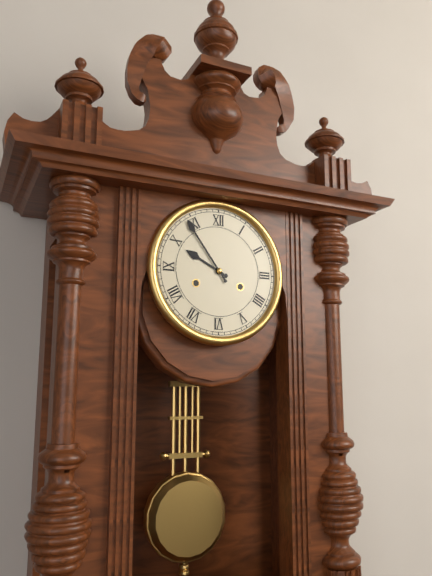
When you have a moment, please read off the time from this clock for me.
9:54
